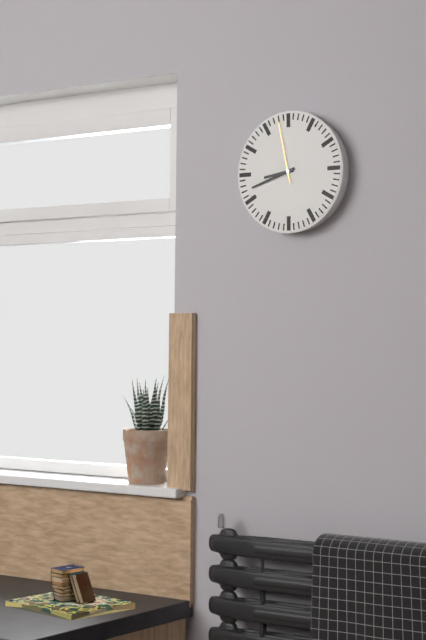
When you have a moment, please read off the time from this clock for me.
8:42:58
